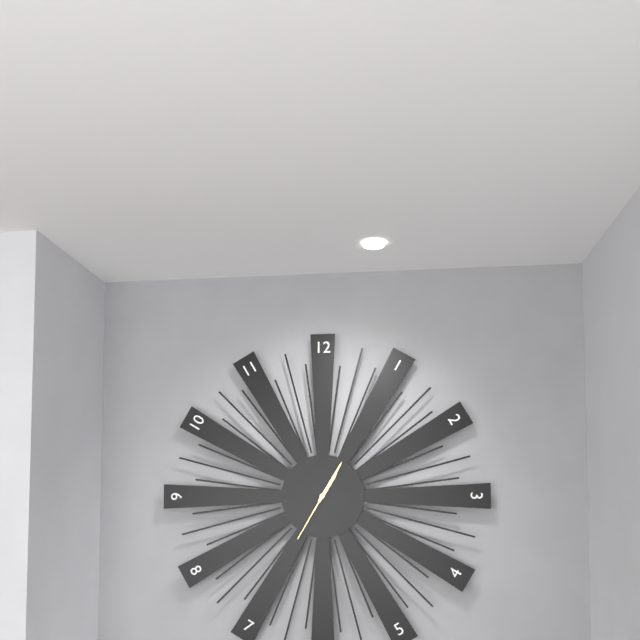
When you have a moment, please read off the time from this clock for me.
1:05:35
